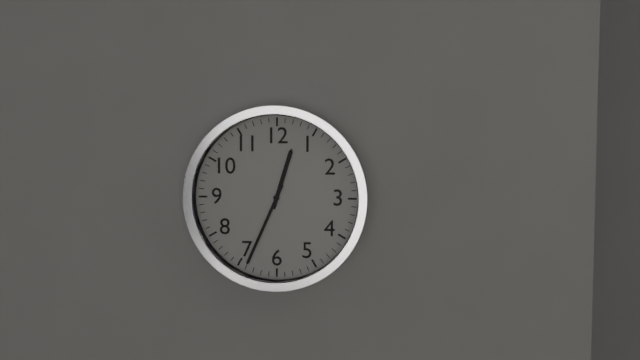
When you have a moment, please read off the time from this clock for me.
12:34
